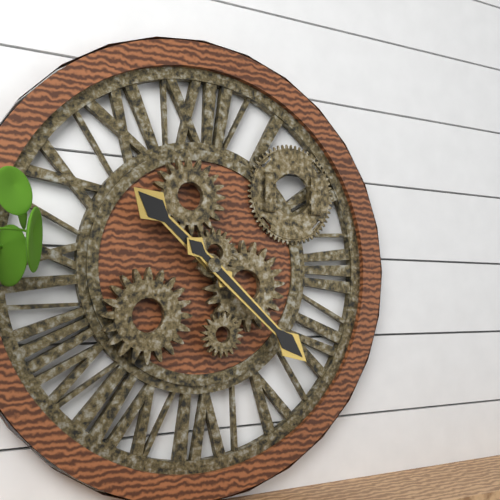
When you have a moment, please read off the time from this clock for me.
10:22
